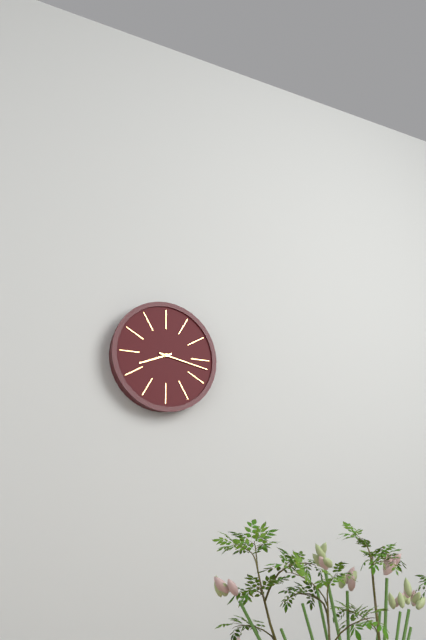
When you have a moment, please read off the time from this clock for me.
8:17
